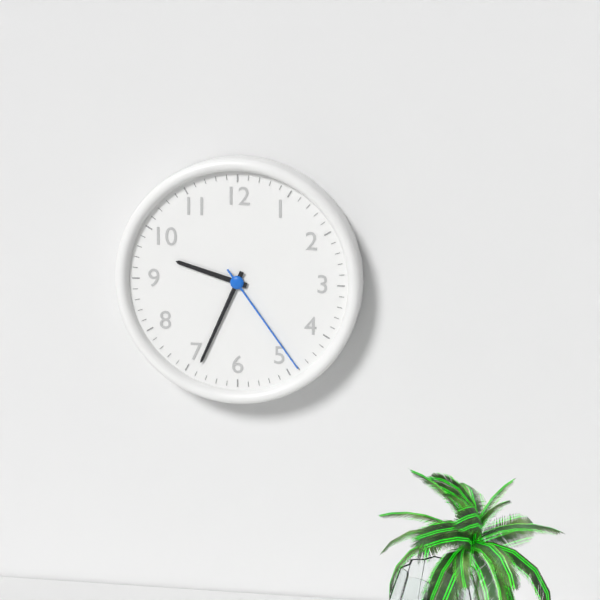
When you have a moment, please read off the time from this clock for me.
9:34:24
